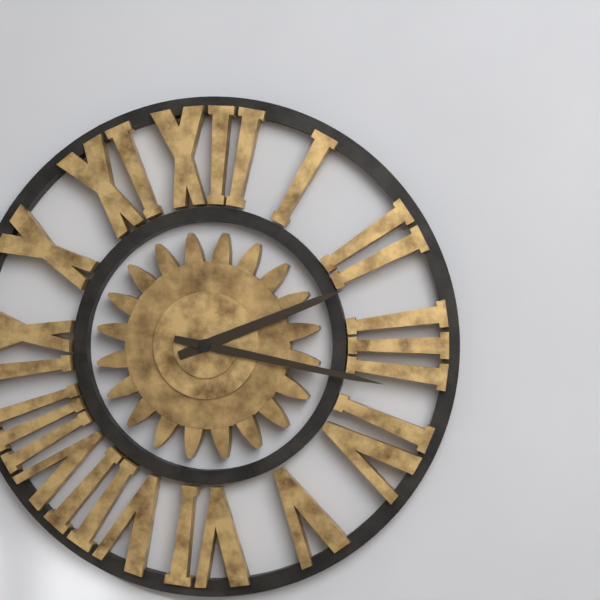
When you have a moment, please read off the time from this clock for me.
2:17
